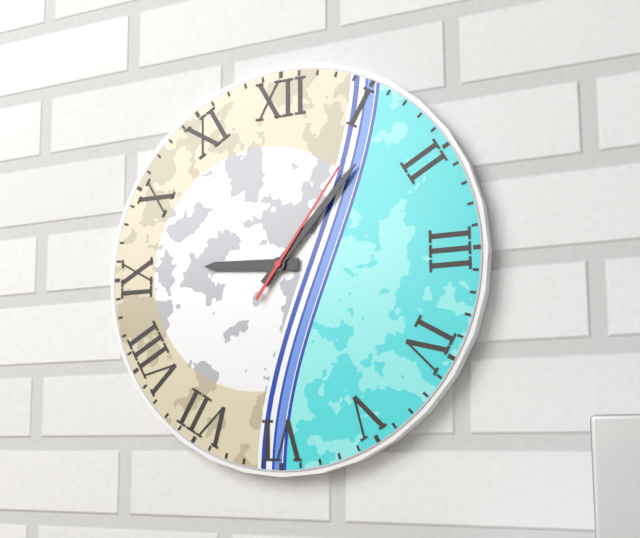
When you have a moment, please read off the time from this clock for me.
9:07:06
